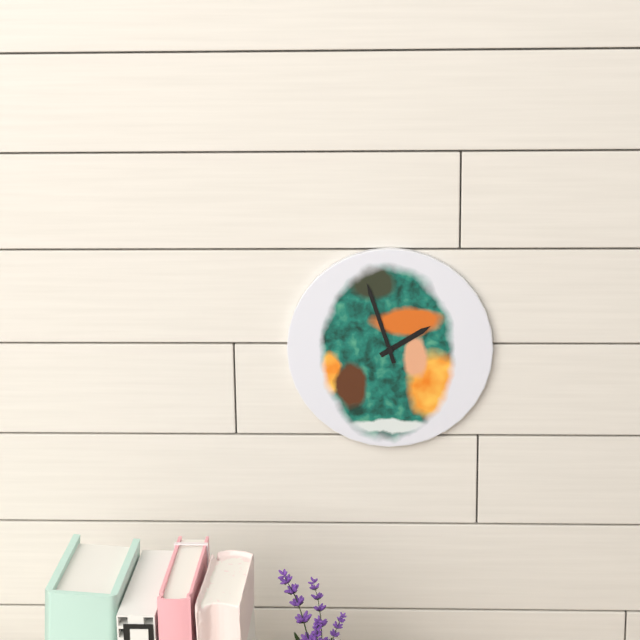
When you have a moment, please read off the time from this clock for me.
1:57
